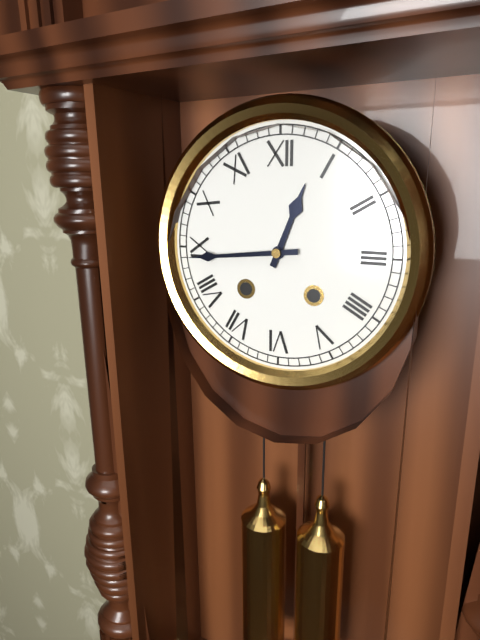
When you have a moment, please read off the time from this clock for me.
12:44
